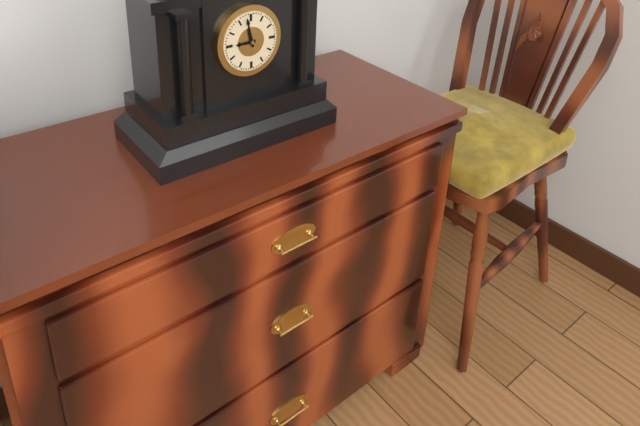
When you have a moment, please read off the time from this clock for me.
8:58
